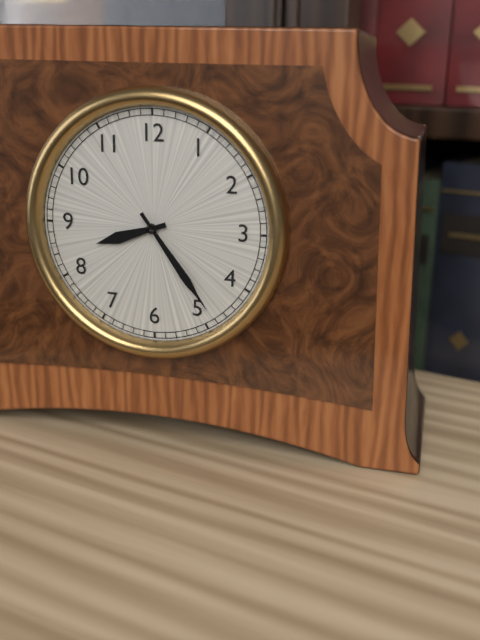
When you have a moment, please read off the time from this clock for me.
8:24
